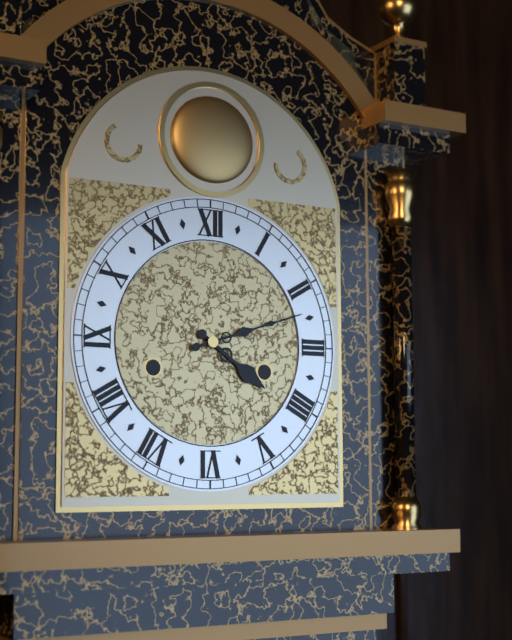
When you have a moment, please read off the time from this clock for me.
4:12
